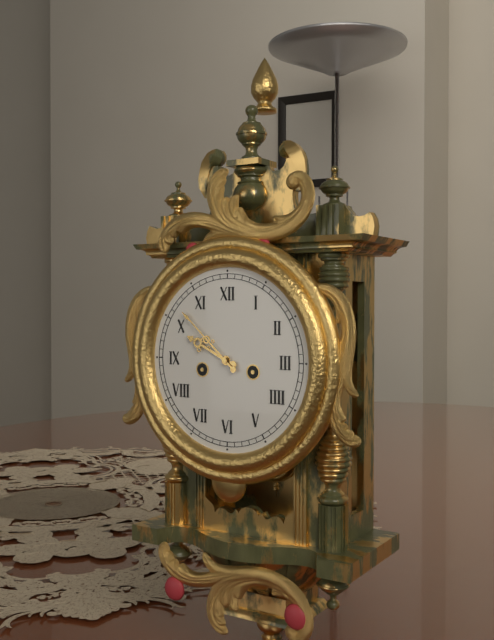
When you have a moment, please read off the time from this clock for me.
9:52
